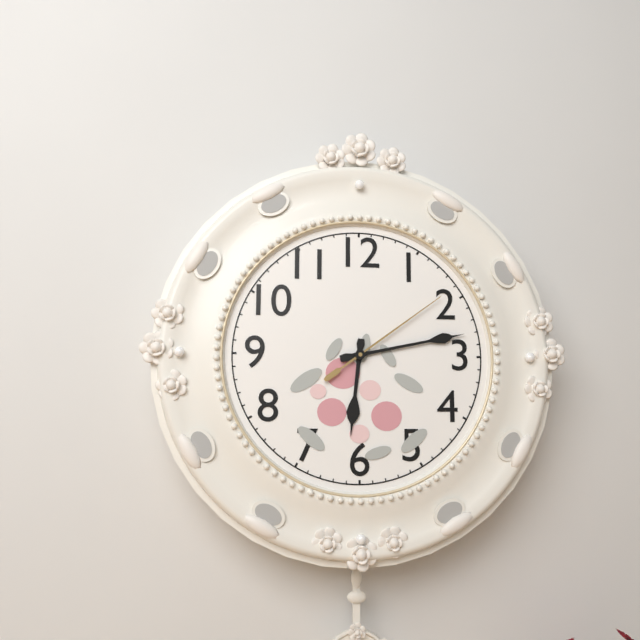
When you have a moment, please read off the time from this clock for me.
6:13:09
